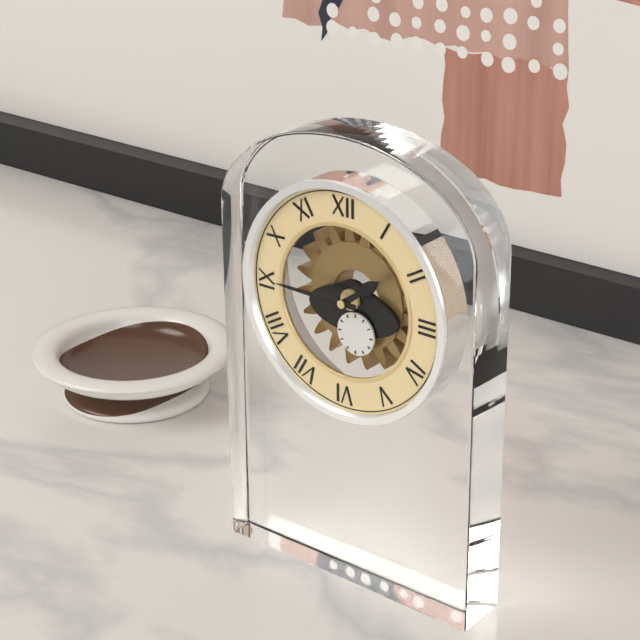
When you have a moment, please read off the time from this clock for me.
1:45
